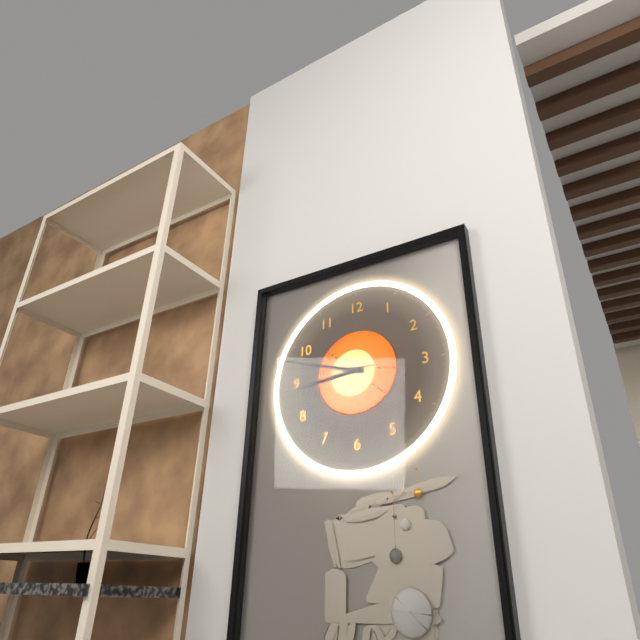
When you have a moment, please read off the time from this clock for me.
8:48:44
